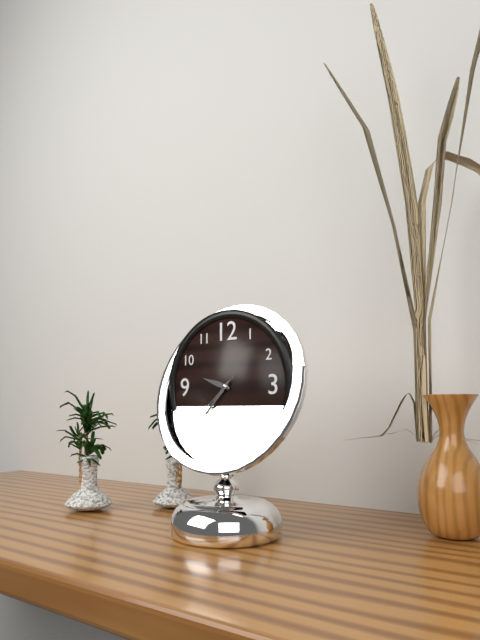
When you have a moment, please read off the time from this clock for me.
9:37:38
